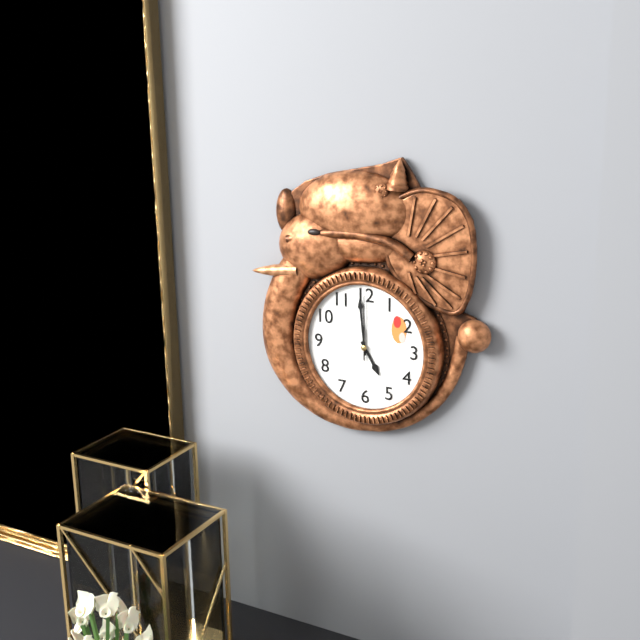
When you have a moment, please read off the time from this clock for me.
4:59:00
